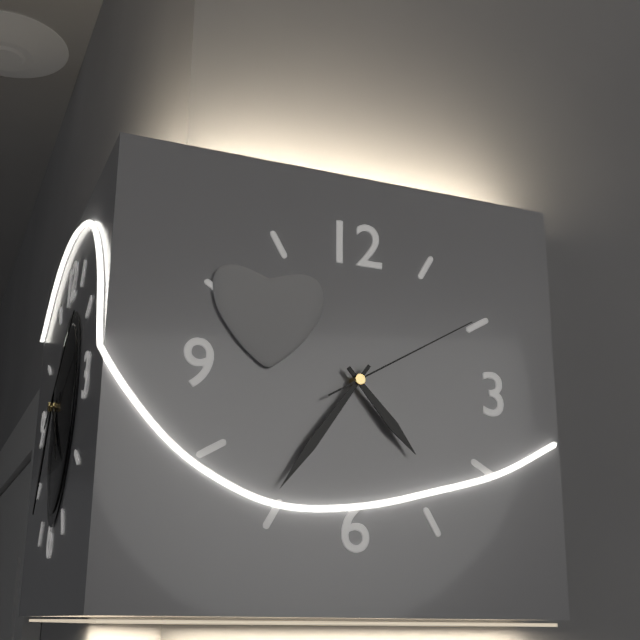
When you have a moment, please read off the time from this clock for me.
4:36:10
